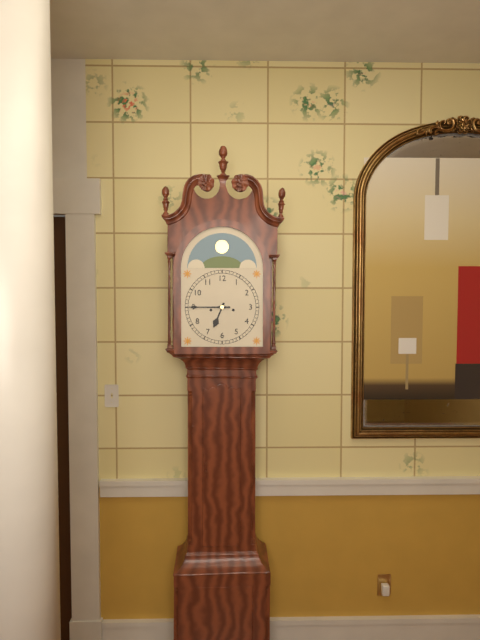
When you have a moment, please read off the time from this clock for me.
6:45
